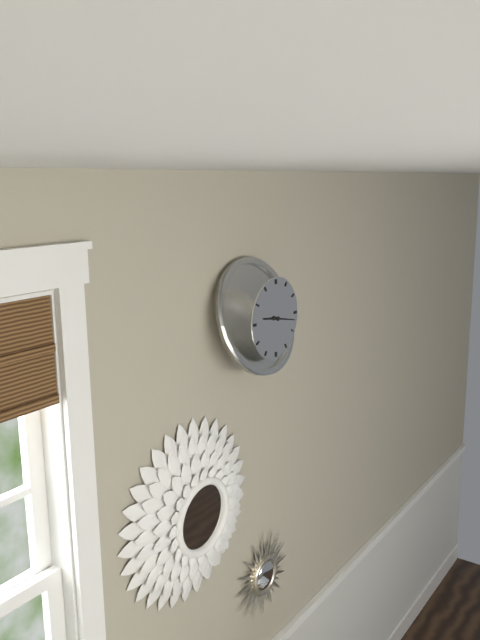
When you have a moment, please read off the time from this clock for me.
9:17
